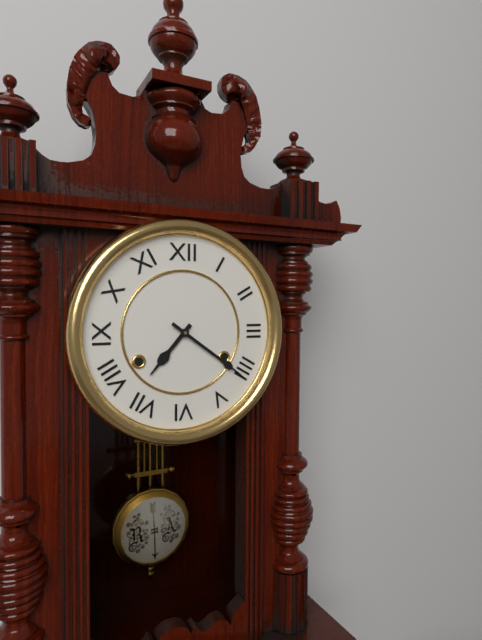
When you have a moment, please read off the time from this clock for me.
7:21
